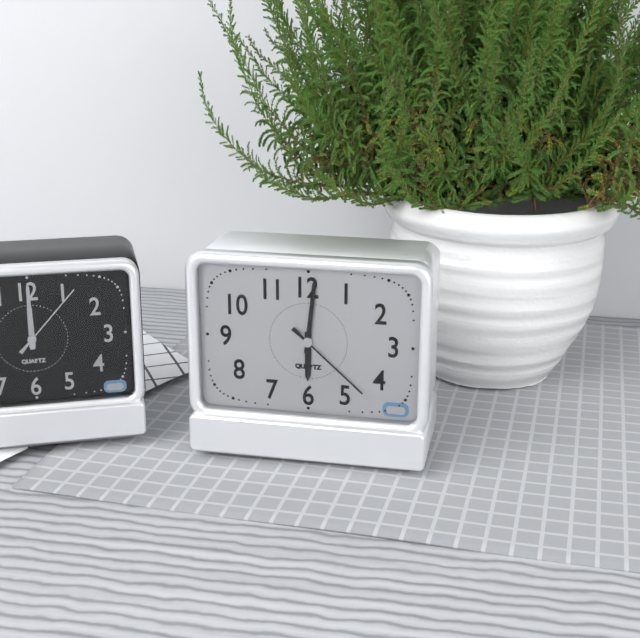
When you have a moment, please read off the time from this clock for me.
6:01:22
